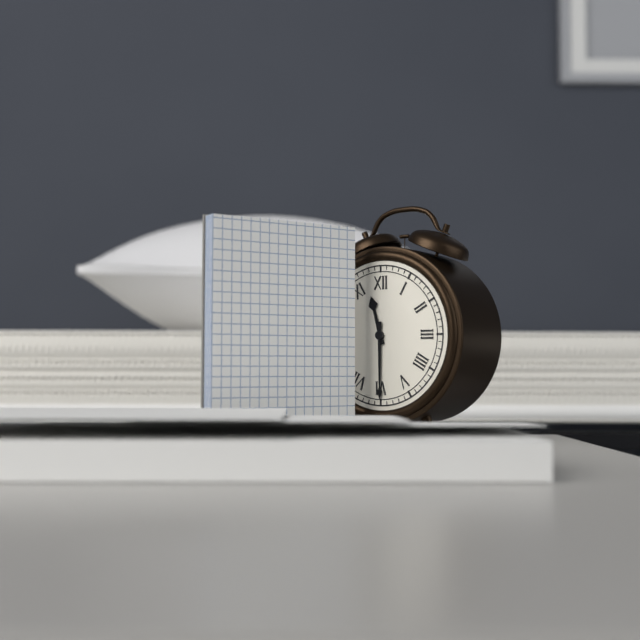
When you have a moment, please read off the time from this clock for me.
11:30
